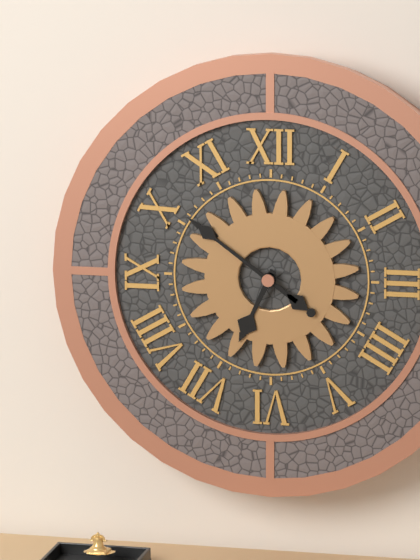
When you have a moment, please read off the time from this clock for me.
6:51
